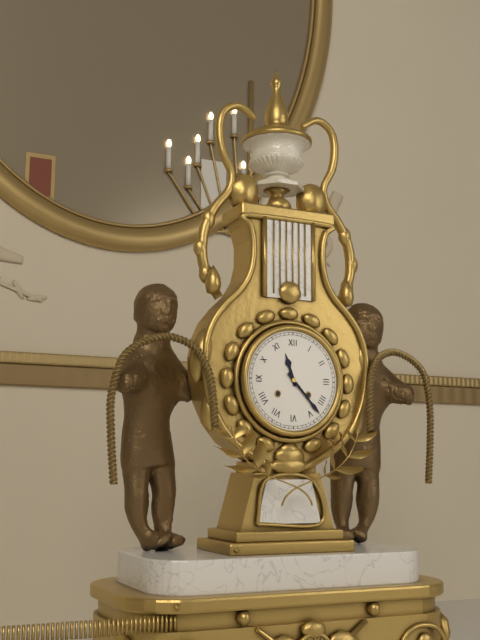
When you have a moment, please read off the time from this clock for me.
11:23
